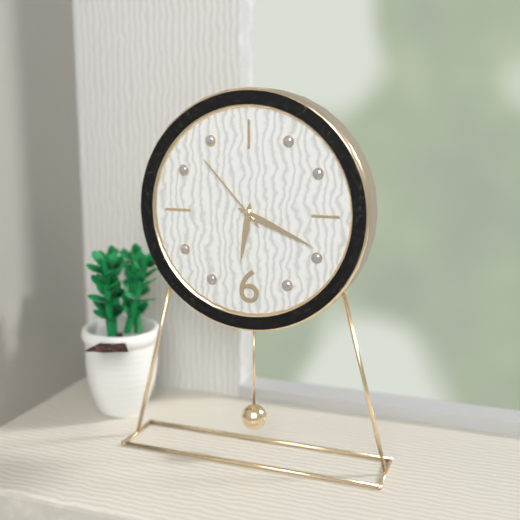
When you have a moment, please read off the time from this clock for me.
6:19:53
